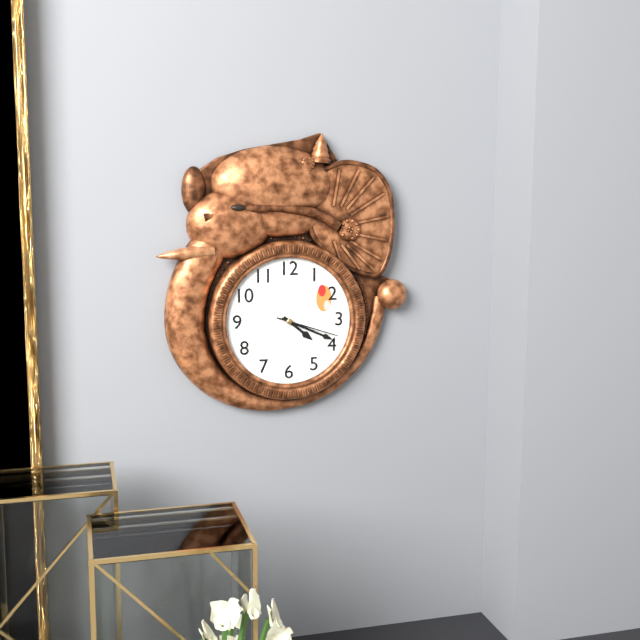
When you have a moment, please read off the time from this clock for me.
4:19:18
